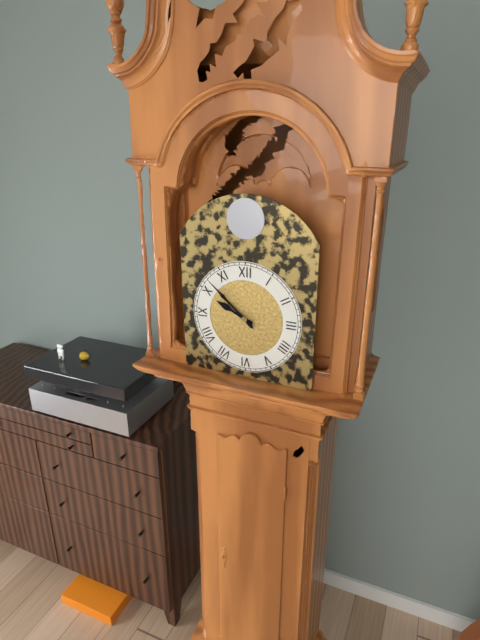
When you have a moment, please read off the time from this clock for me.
9:52
